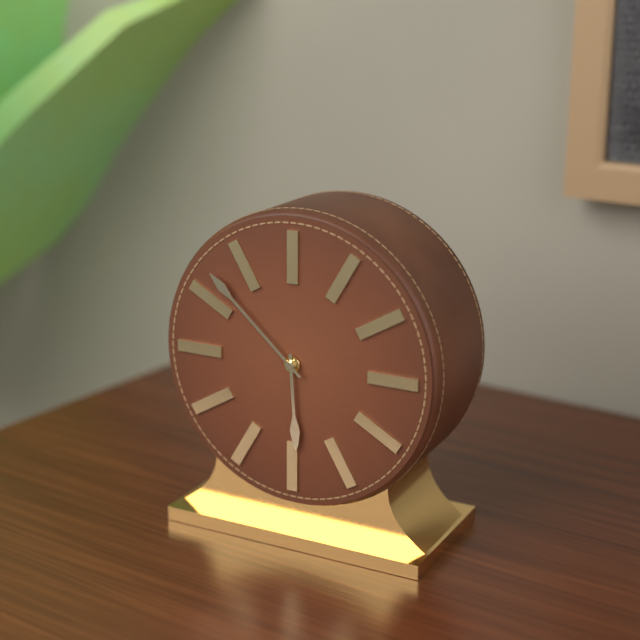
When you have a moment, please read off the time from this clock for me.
5:52
